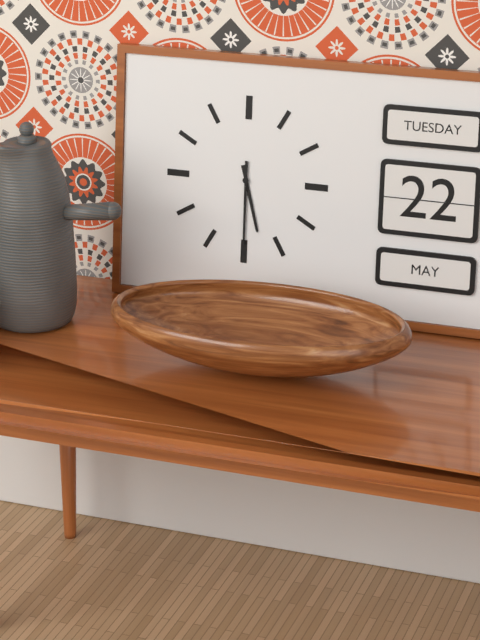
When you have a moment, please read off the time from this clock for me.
5:30
